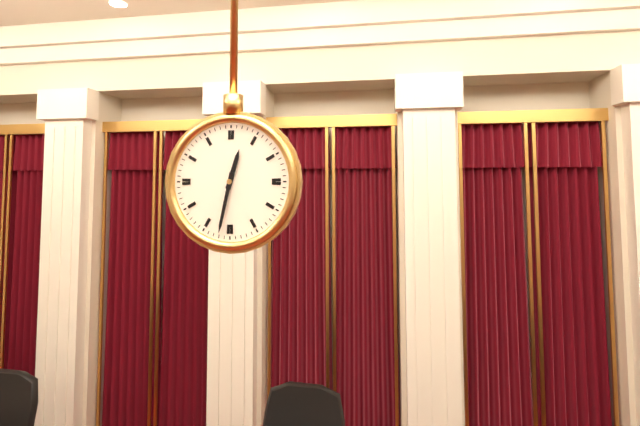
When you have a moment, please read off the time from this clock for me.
12:32
